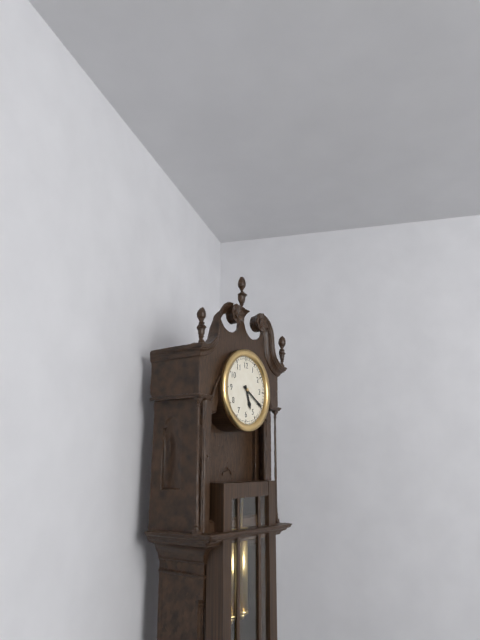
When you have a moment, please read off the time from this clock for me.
5:20
